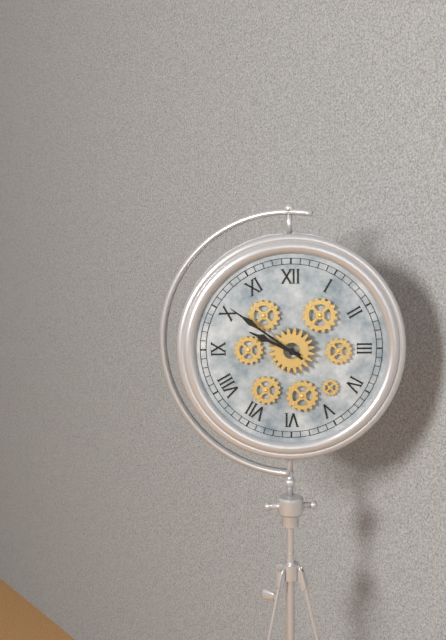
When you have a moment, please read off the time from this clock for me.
9:51
